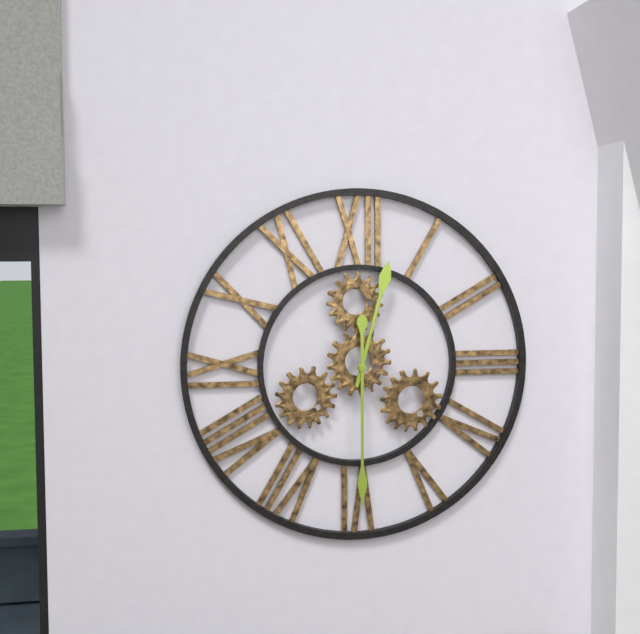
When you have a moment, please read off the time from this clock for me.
12:30
